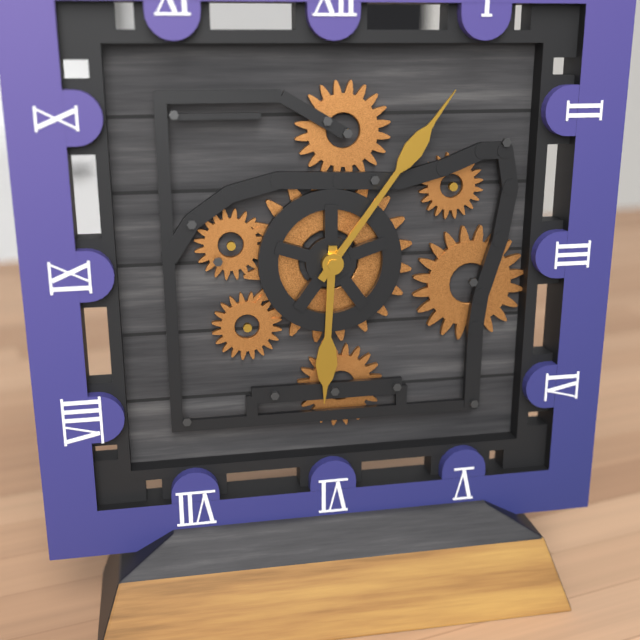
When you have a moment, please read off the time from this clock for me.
6:06
